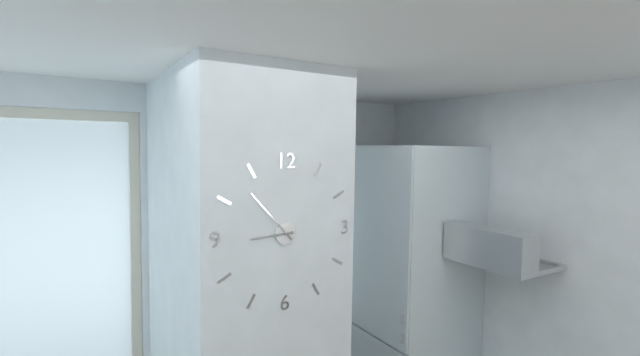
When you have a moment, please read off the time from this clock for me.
8:53
